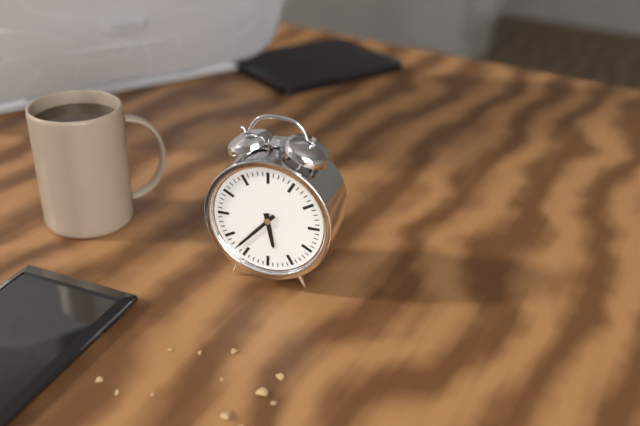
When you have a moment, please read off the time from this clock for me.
5:37
